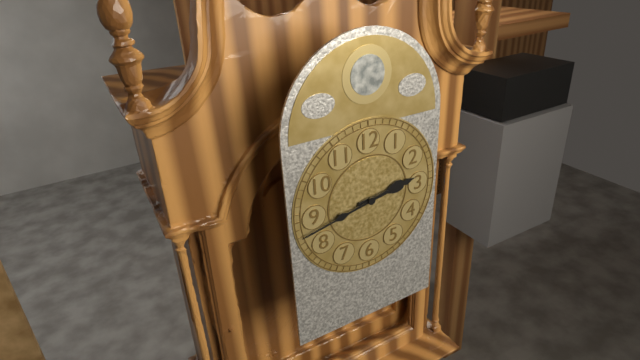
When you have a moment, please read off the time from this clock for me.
2:43
